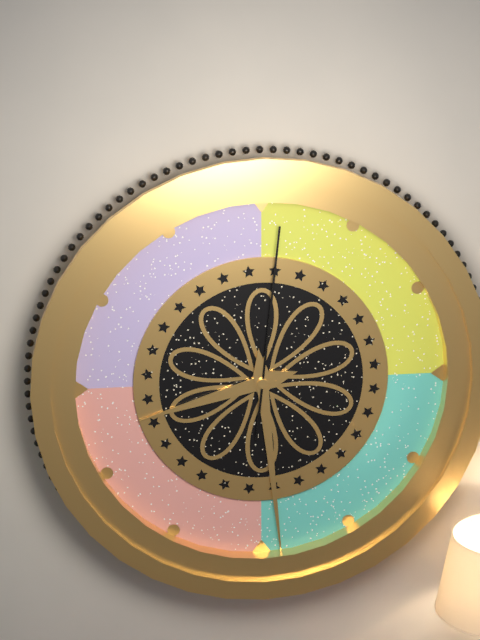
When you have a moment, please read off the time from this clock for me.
8:29:01
